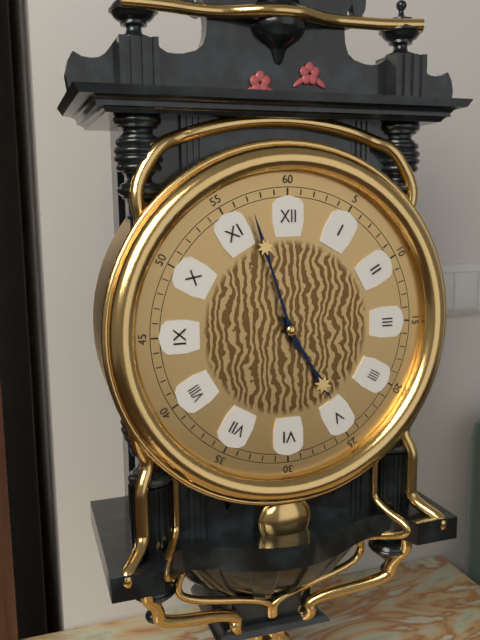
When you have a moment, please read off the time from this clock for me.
4:57
